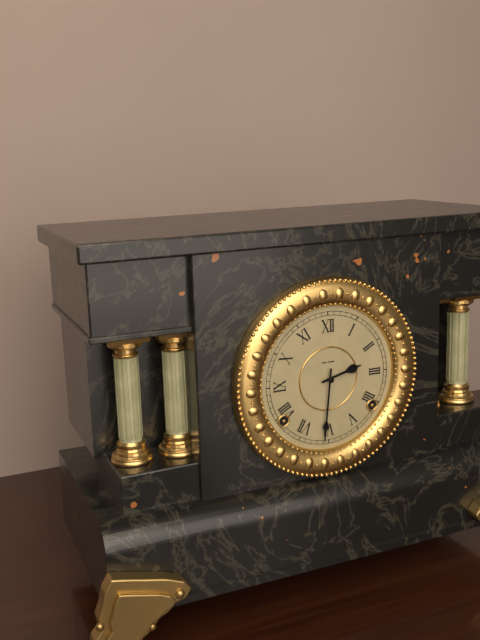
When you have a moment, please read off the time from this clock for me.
2:31
